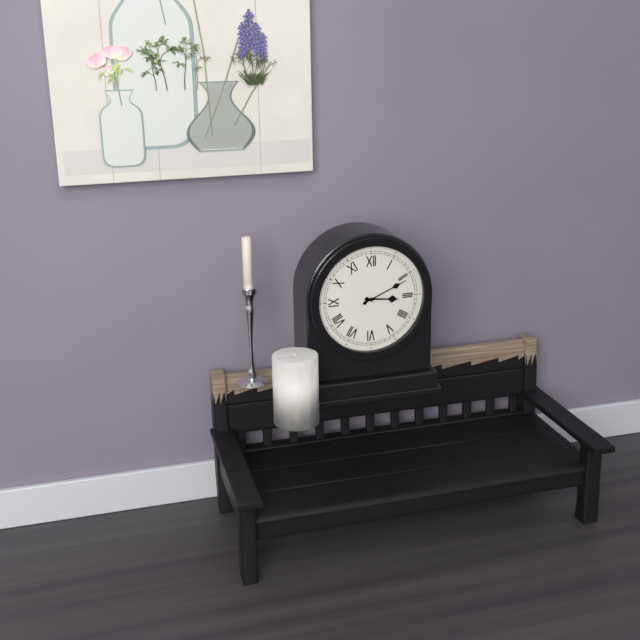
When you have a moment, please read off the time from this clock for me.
3:11
